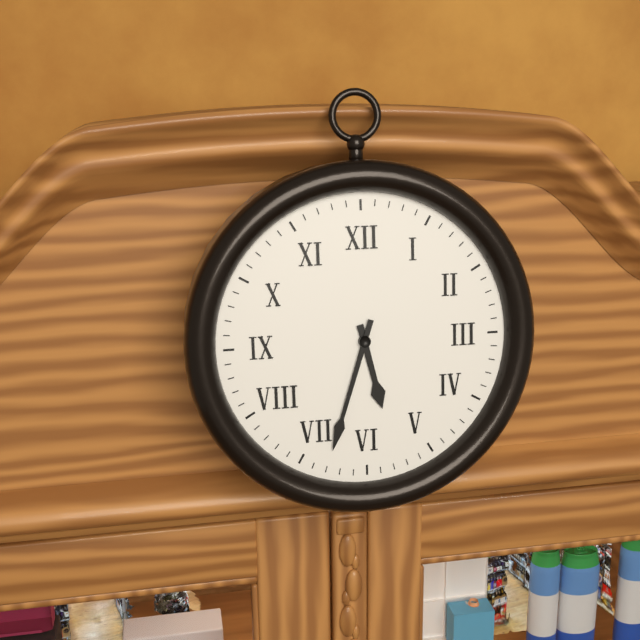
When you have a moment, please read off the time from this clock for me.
5:33
